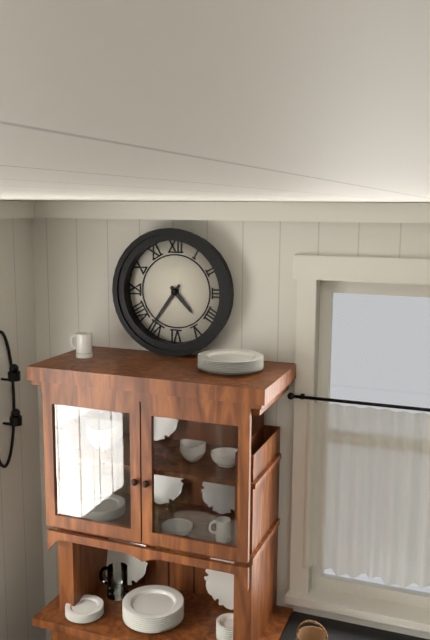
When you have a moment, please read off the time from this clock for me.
4:36
